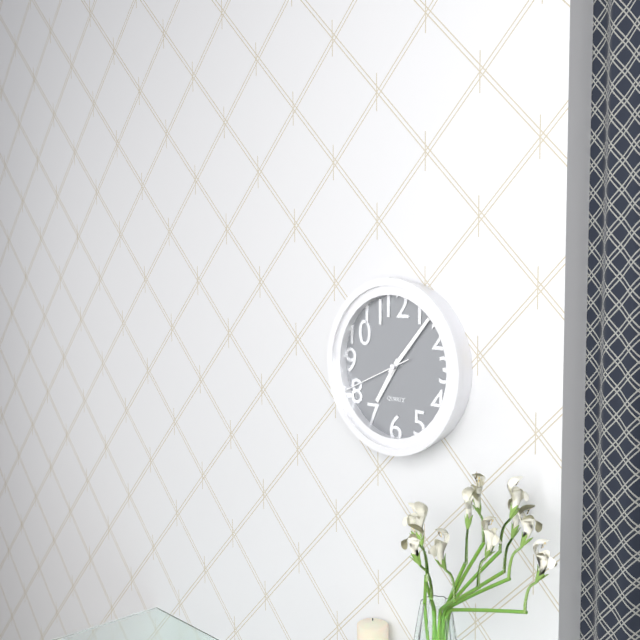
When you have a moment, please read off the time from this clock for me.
7:07:41
